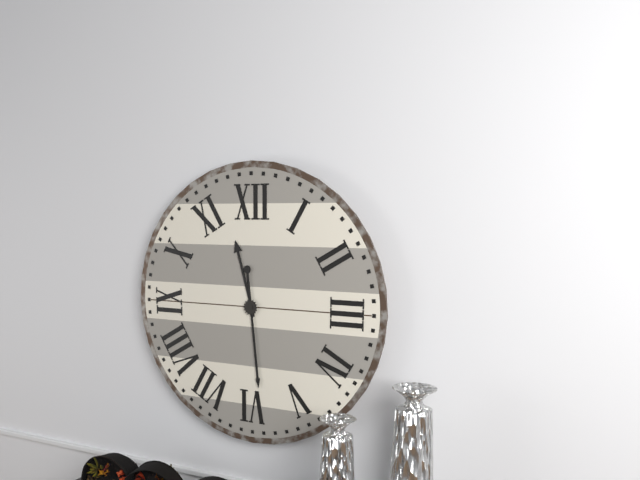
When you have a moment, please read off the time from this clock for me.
11:29
